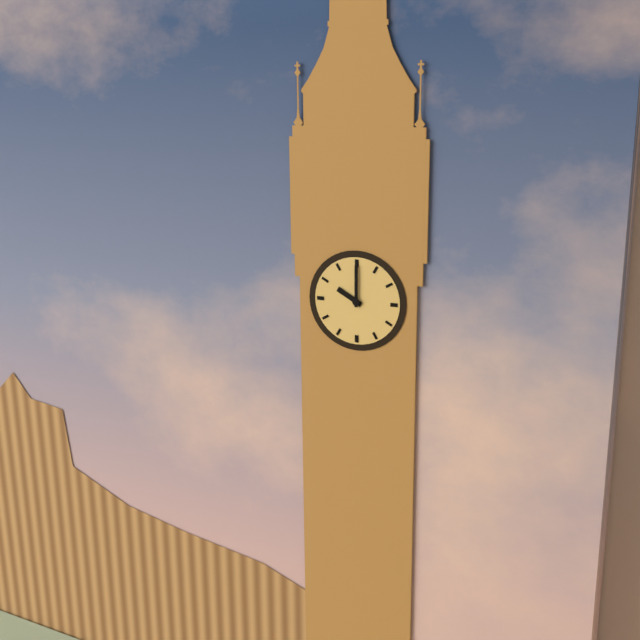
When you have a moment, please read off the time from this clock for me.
10:00
